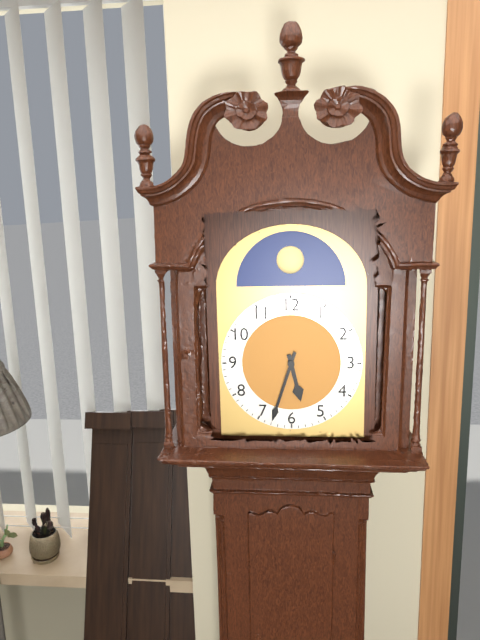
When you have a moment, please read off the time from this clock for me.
5:33
